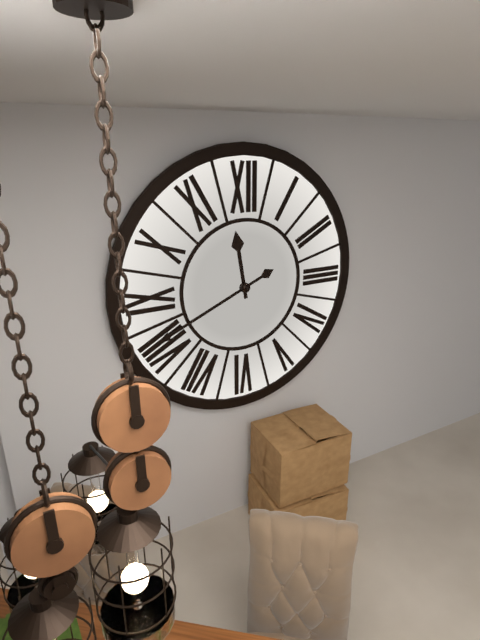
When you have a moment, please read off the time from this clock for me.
11:41
